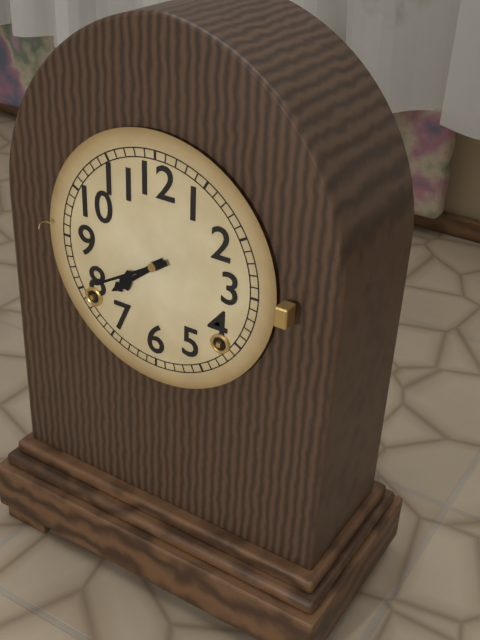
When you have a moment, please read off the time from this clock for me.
7:40
